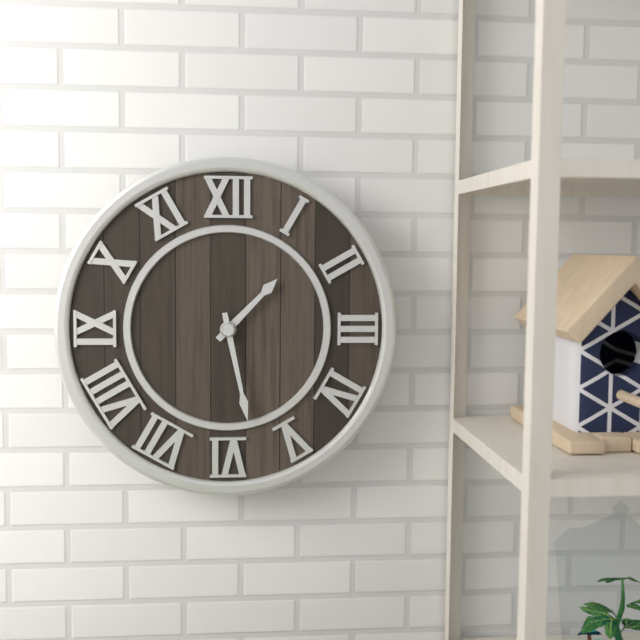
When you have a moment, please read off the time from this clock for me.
1:28
